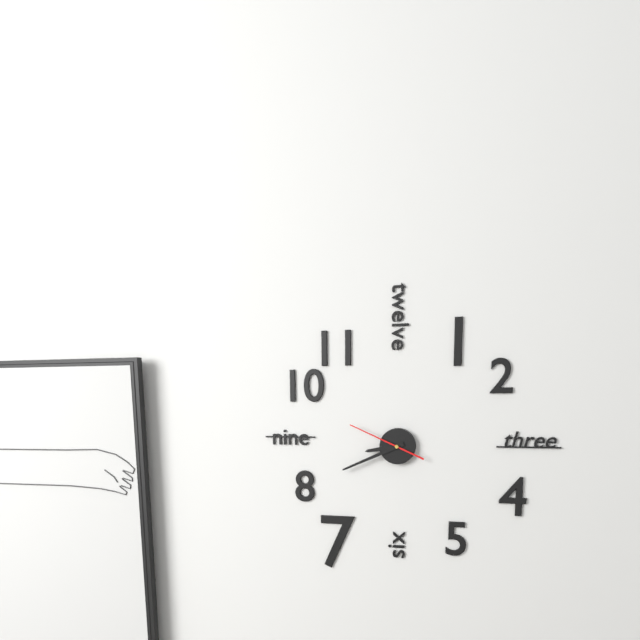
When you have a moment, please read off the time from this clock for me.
8:41:49
